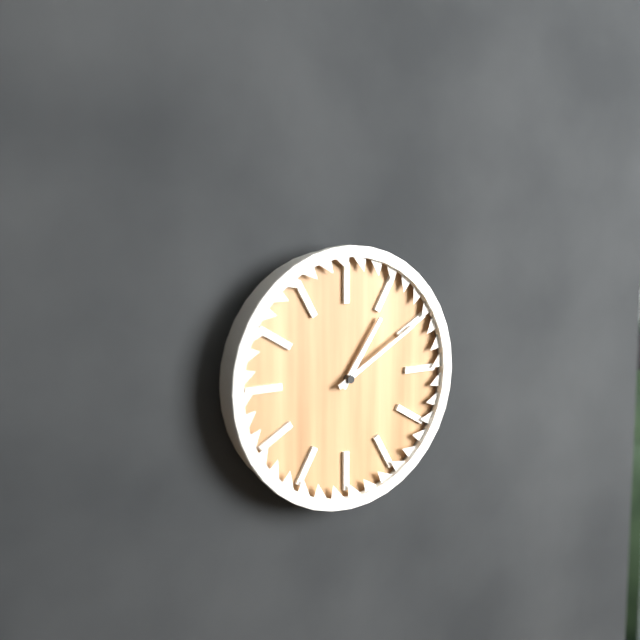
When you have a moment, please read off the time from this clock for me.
1:10
